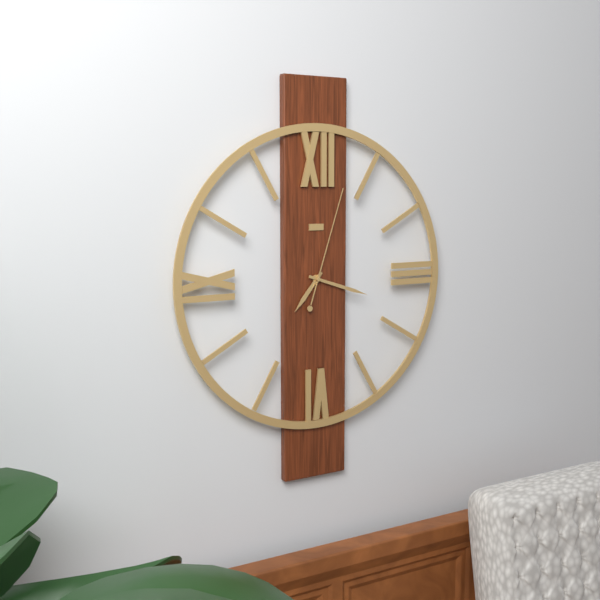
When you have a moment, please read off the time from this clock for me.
7:18:03
